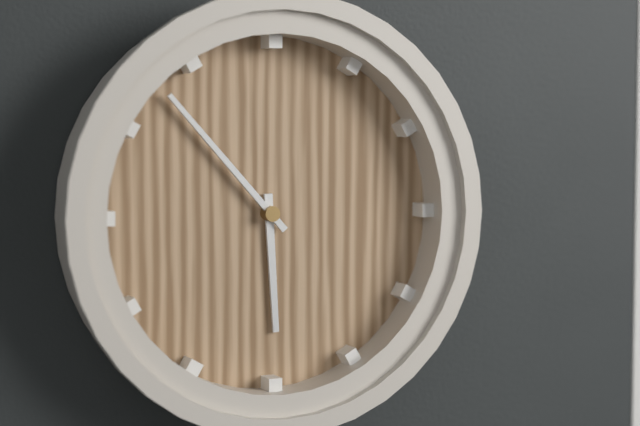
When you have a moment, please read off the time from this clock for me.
5:53
